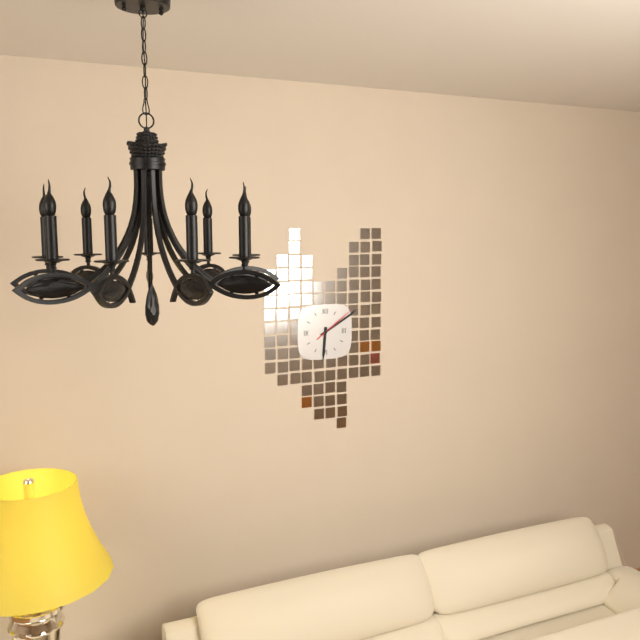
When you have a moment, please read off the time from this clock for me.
6:10
